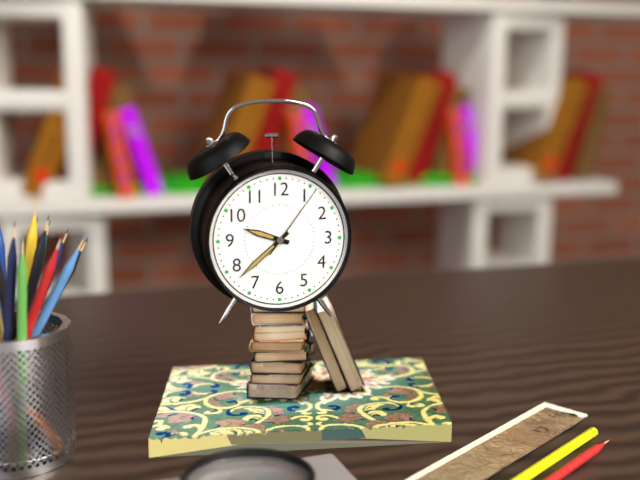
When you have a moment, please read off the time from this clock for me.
9:38:06
